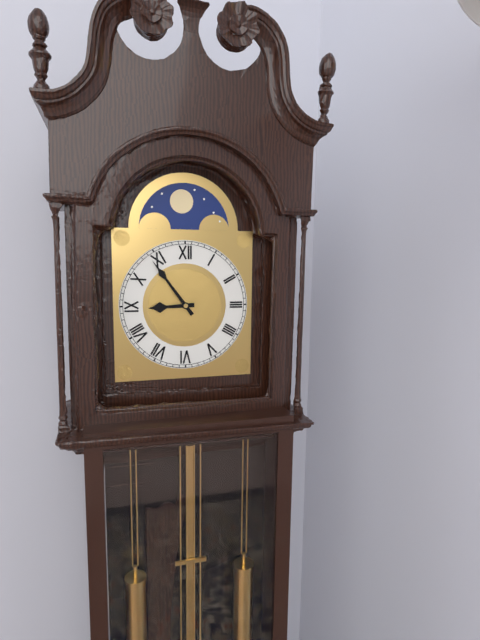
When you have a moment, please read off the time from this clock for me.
8:54
